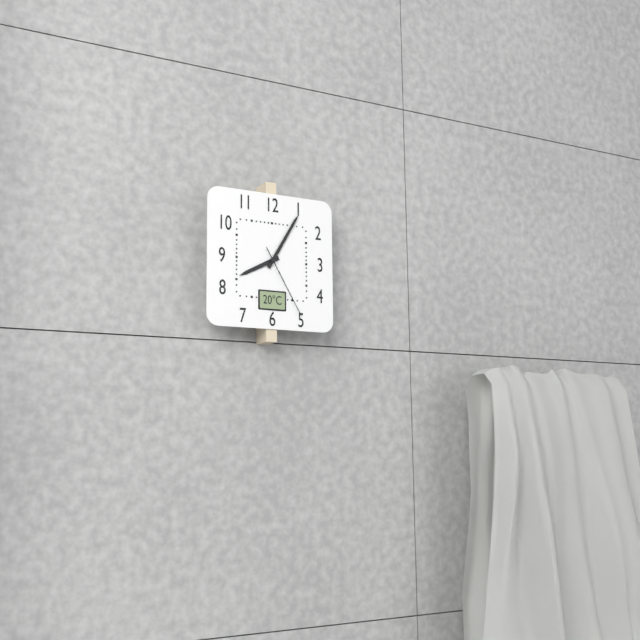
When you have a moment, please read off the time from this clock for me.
8:05:25
